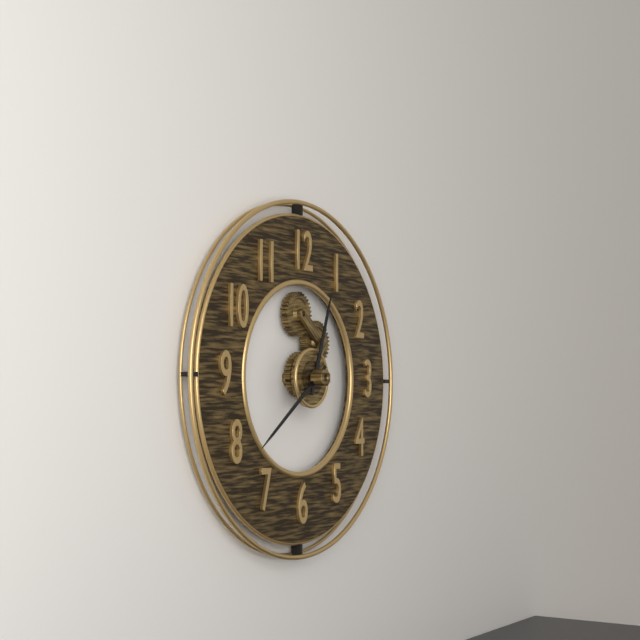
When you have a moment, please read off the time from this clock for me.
12:39
